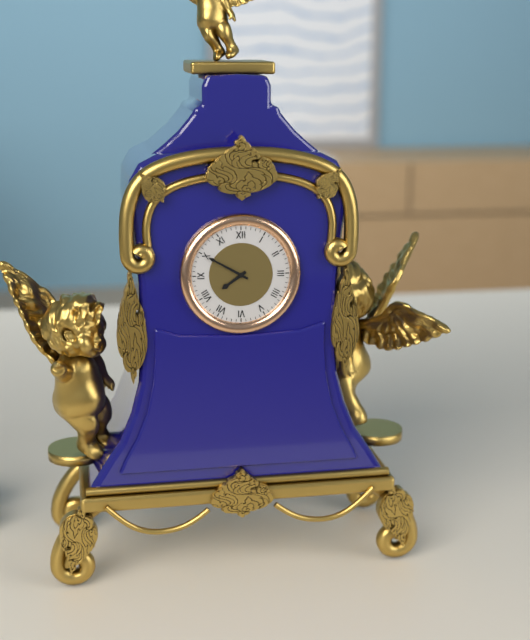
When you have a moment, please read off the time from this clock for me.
7:50
